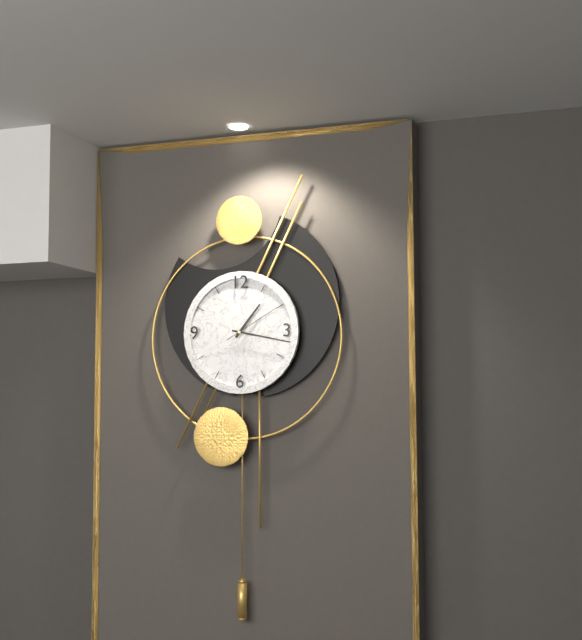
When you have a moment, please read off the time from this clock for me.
1:17:10
